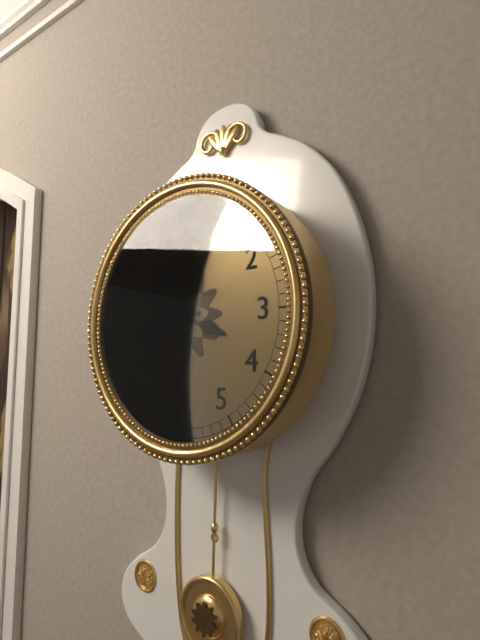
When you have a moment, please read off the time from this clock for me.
3:44
